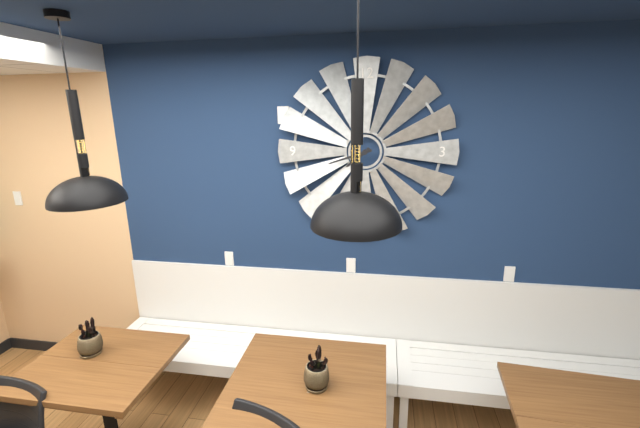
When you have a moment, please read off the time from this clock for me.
7:42
